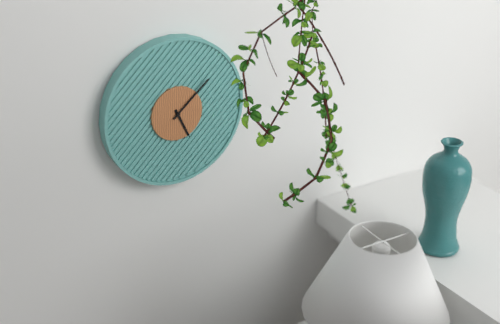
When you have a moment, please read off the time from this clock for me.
5:08
